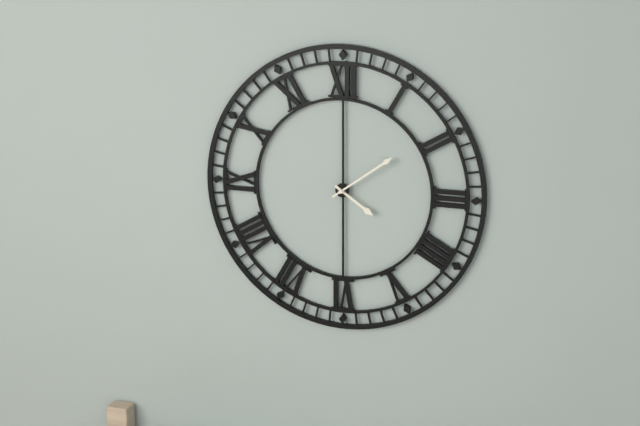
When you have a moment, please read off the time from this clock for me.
4:09
